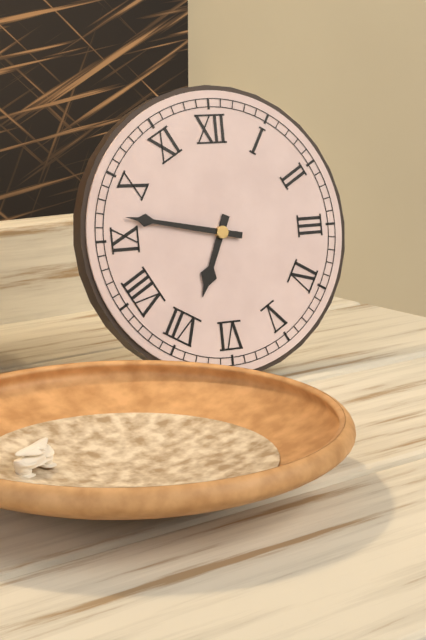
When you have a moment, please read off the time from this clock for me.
6:47
